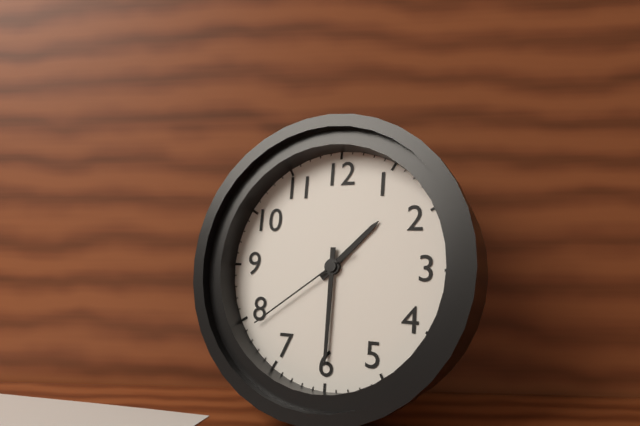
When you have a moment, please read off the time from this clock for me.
1:30:39
